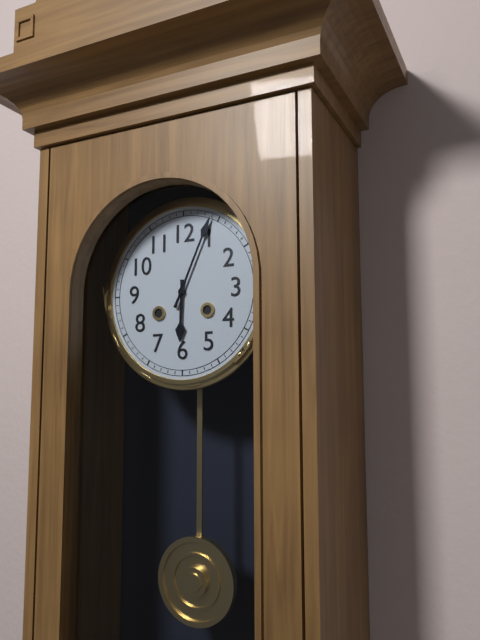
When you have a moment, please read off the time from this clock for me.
6:04
